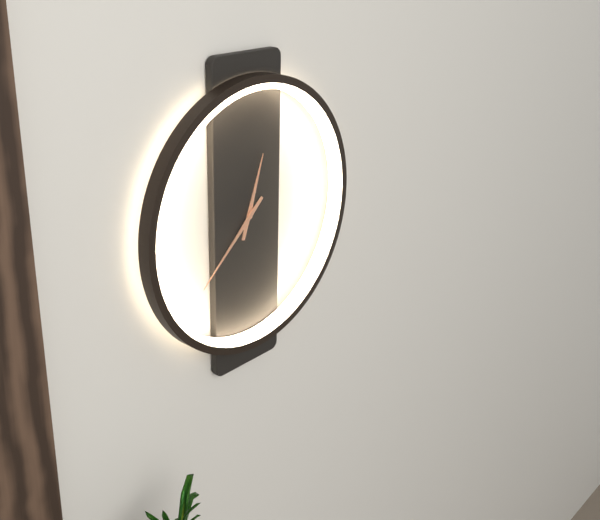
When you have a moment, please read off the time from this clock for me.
12:38
